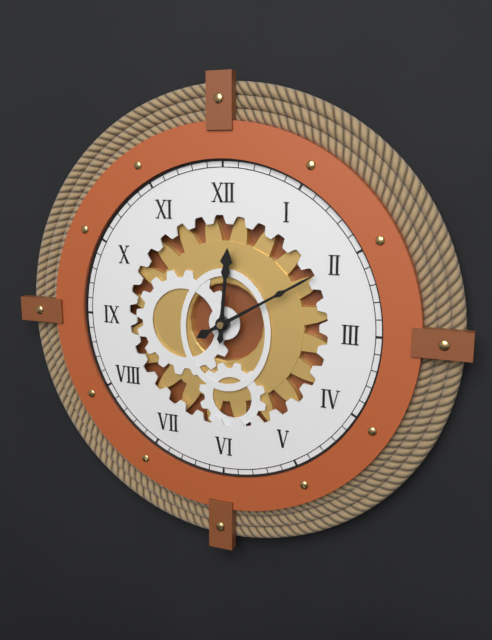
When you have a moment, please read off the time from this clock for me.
12:10
